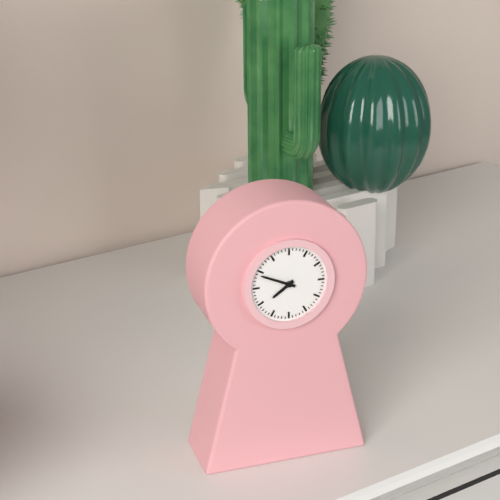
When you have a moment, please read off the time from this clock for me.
7:49
